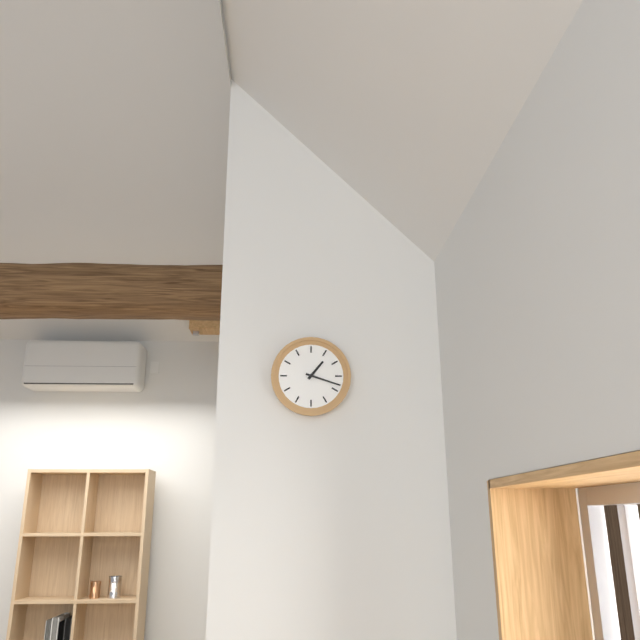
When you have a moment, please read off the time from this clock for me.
1:18
